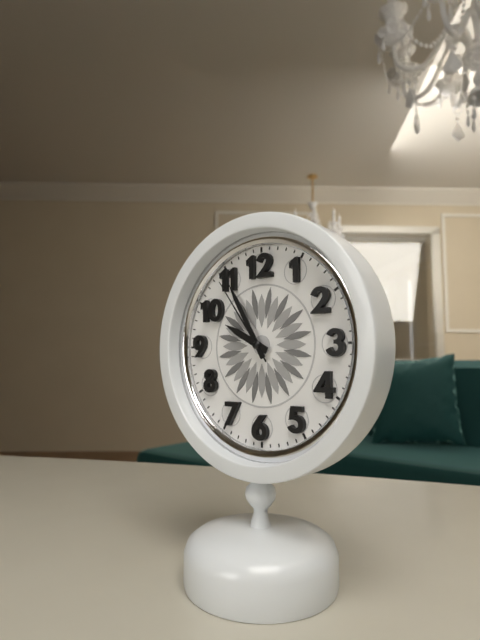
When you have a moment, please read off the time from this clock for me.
9:55:54
